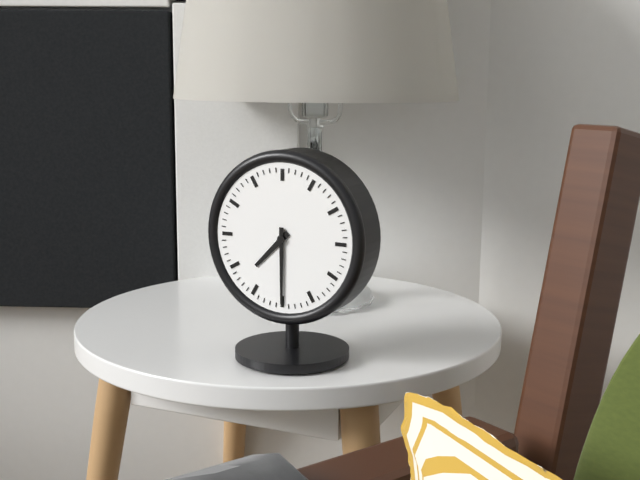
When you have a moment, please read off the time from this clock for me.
7:30
